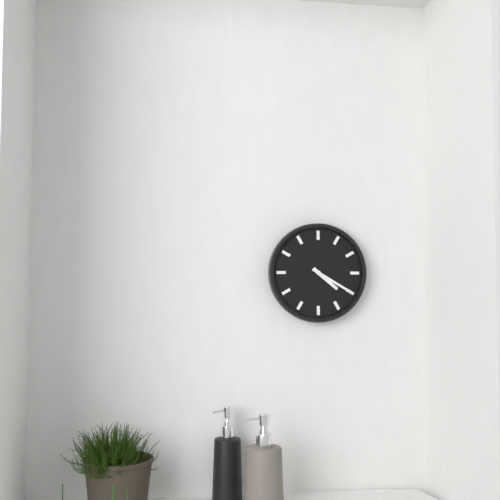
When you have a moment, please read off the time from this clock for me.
4:20
